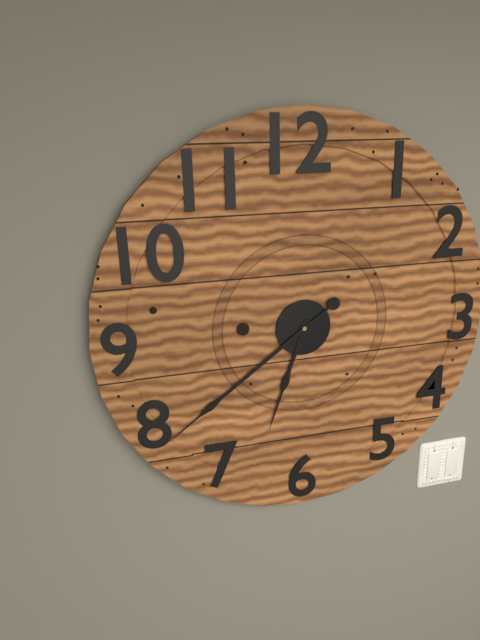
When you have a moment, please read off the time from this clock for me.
6:39
